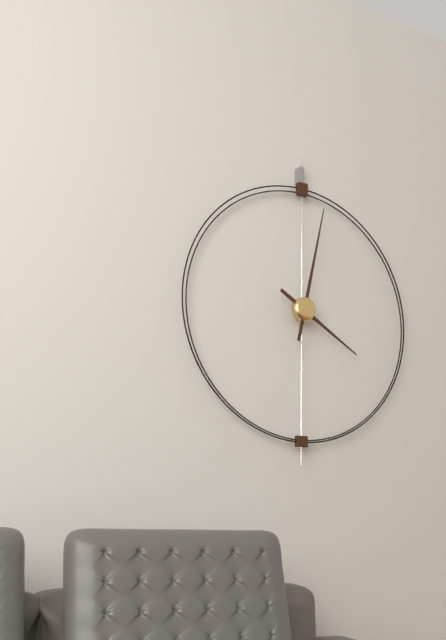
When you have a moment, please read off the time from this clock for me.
4:02
